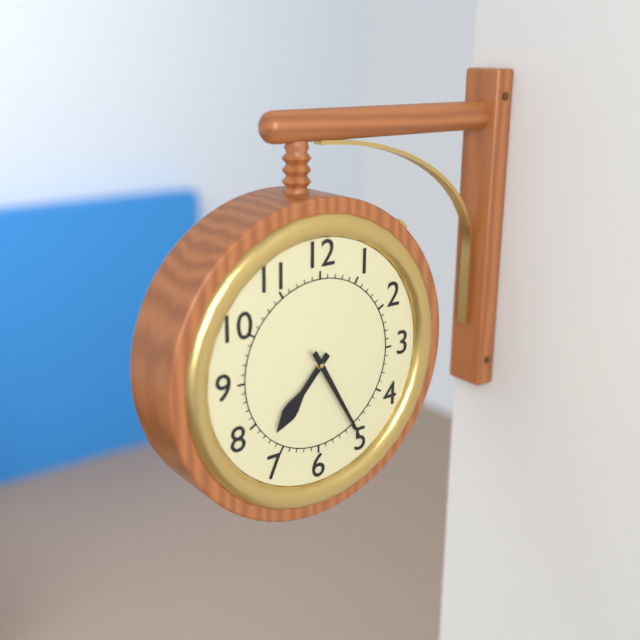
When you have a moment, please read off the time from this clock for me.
7:25
